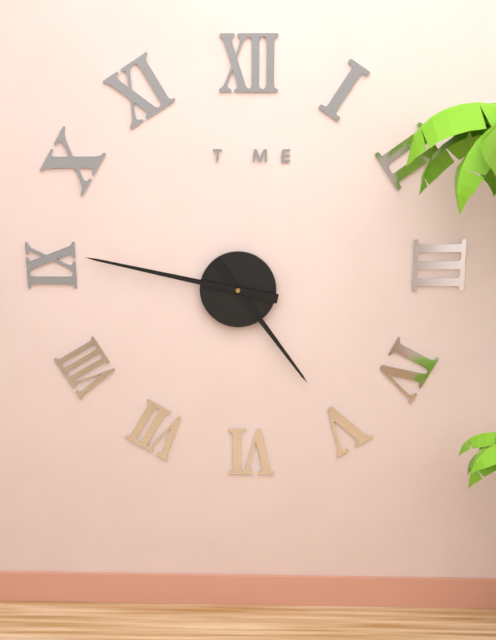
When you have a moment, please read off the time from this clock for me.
4:47
